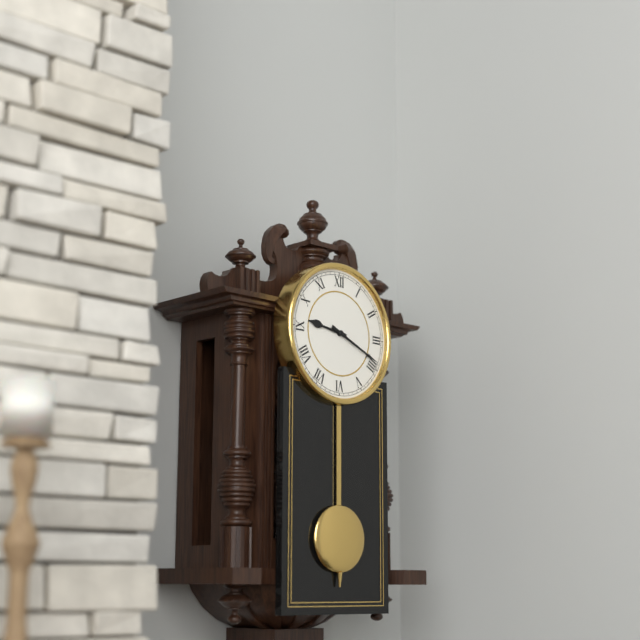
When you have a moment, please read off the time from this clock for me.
9:19
